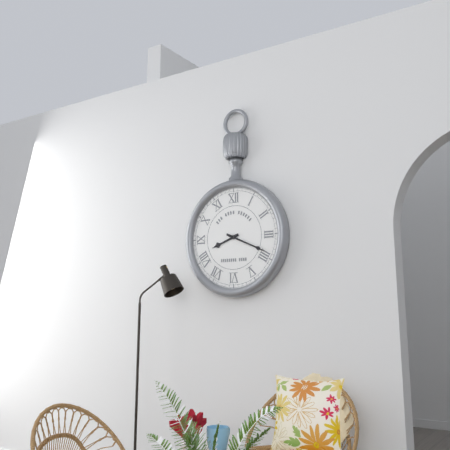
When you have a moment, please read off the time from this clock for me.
8:19
